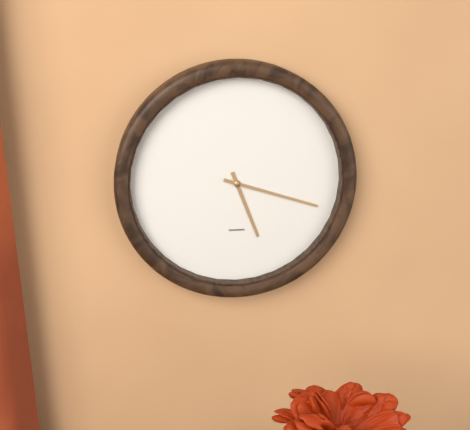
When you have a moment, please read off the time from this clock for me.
5:18
